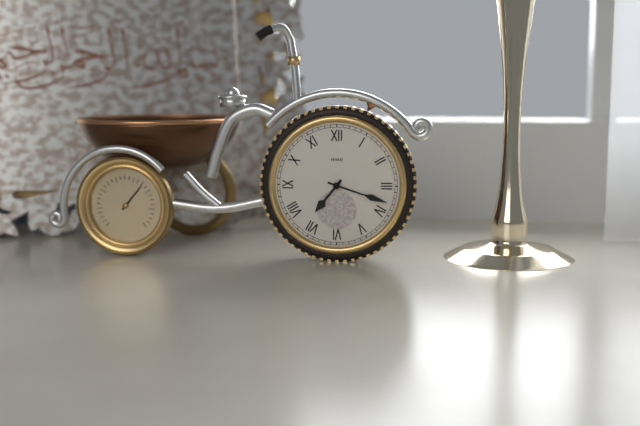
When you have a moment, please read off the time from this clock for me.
7:18
